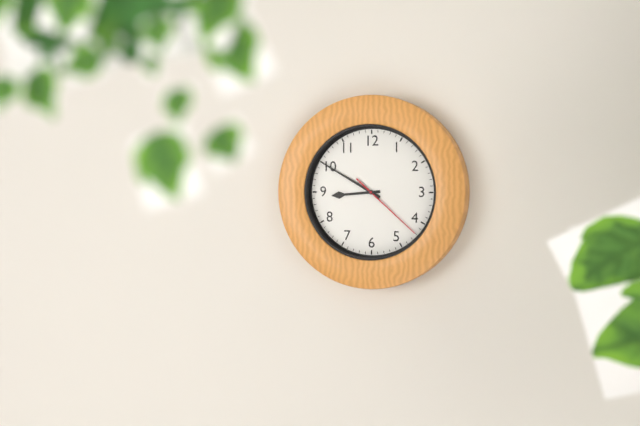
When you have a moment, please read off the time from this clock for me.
8:50:22
